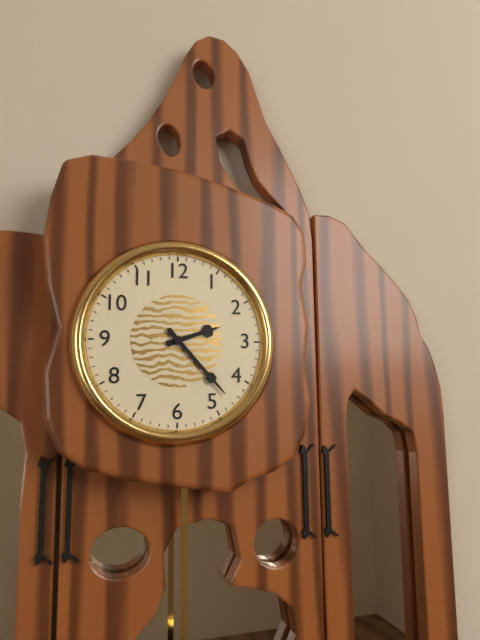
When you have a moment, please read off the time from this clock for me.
2:23
